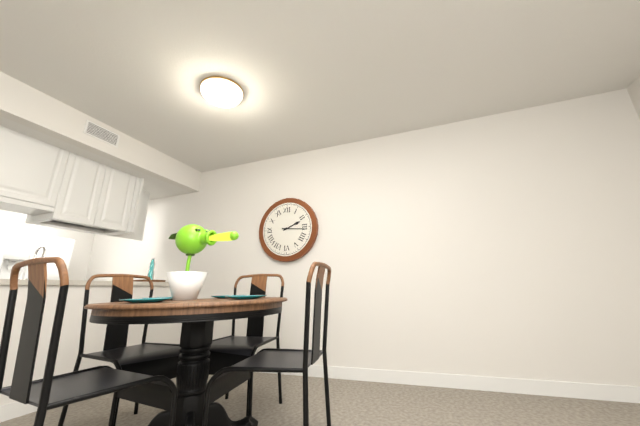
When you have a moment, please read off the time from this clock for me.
2:16
